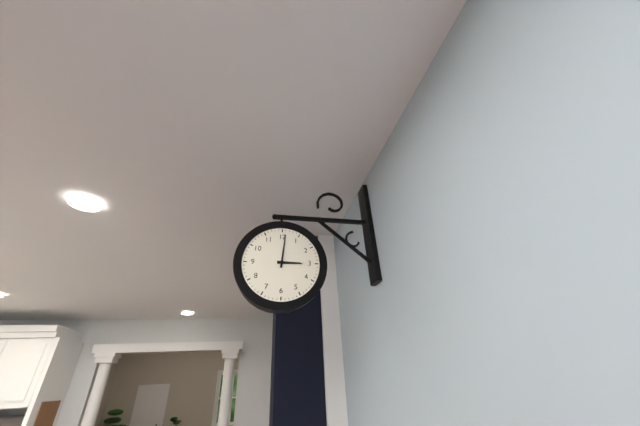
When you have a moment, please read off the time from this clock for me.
3:01
